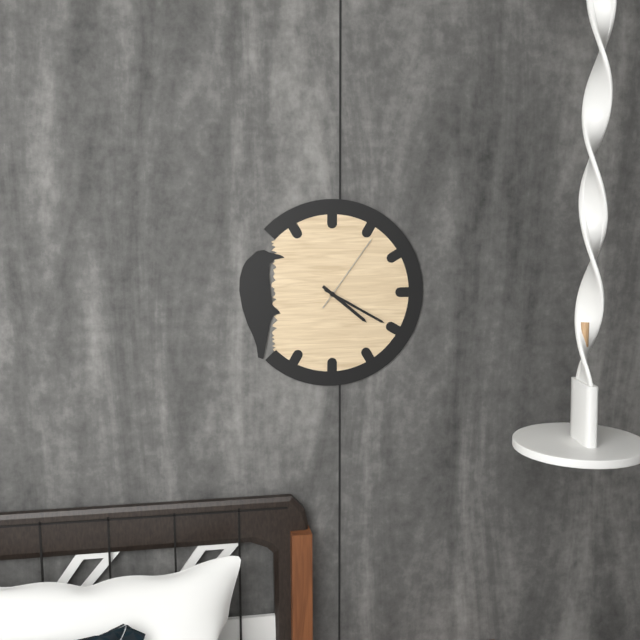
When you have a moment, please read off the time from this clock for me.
4:20:06
